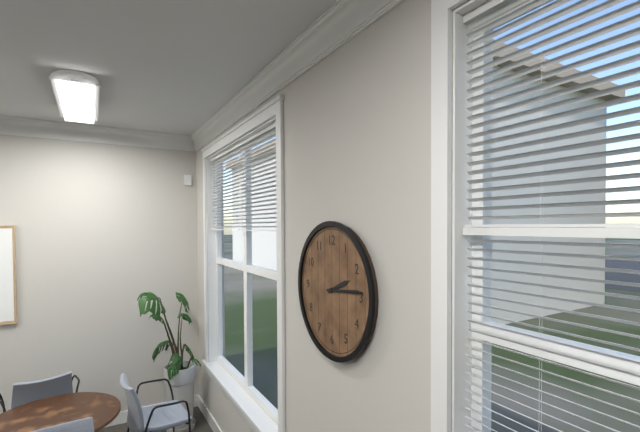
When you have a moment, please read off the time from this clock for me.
2:14
